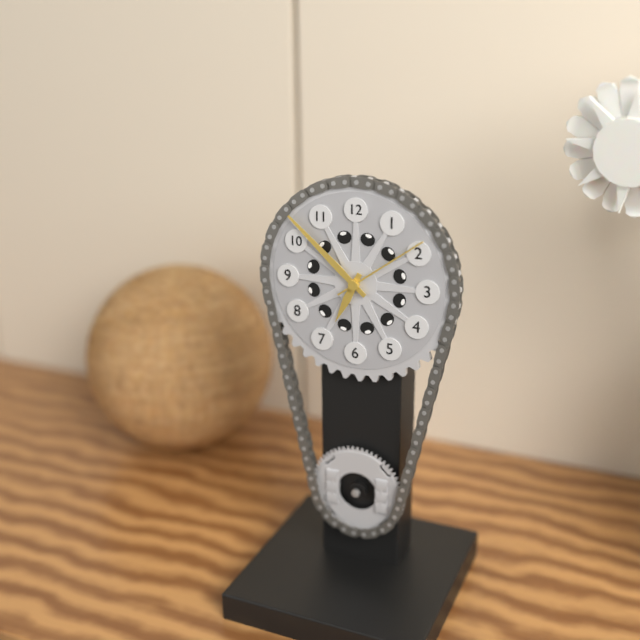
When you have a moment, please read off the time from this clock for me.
6:52:09
